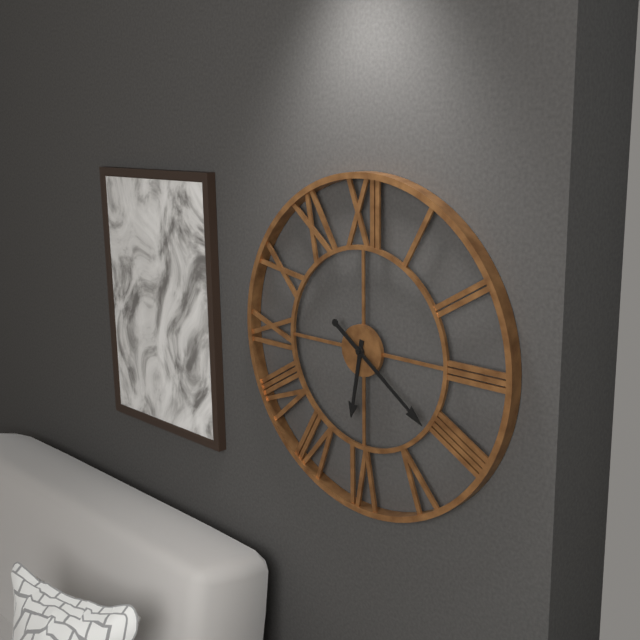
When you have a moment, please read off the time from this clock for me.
6:21
